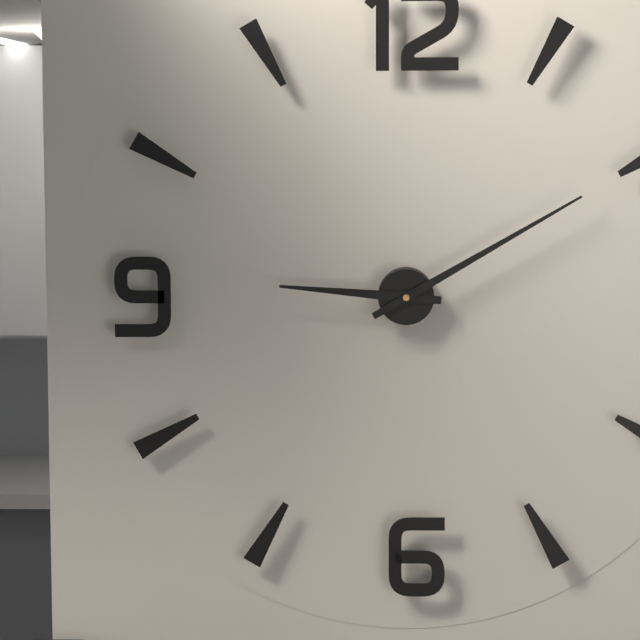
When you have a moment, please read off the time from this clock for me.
9:10
